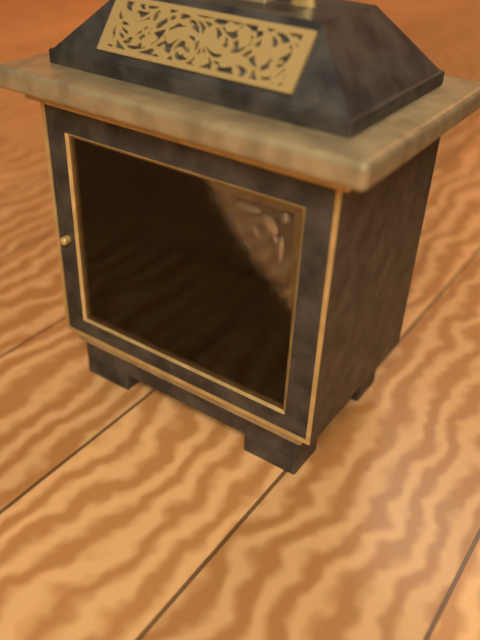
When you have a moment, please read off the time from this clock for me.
9:31
